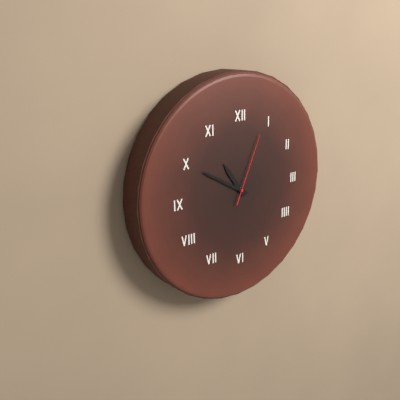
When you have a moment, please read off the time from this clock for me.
10:50:04
